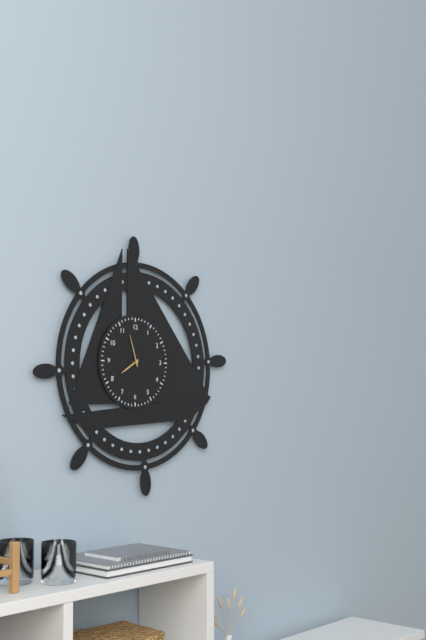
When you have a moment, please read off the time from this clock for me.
7:57
